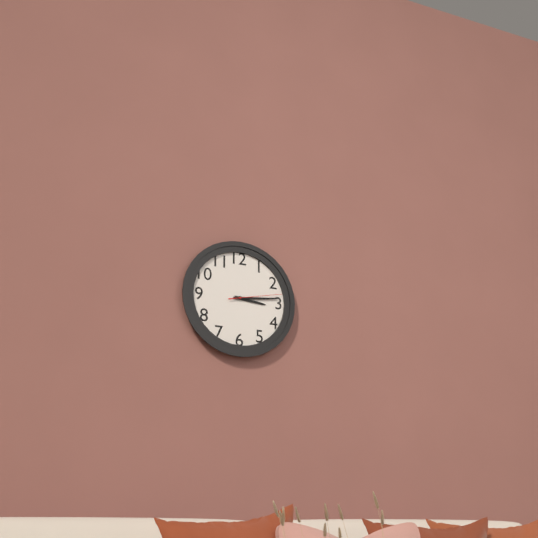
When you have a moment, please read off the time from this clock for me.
3:14:13
